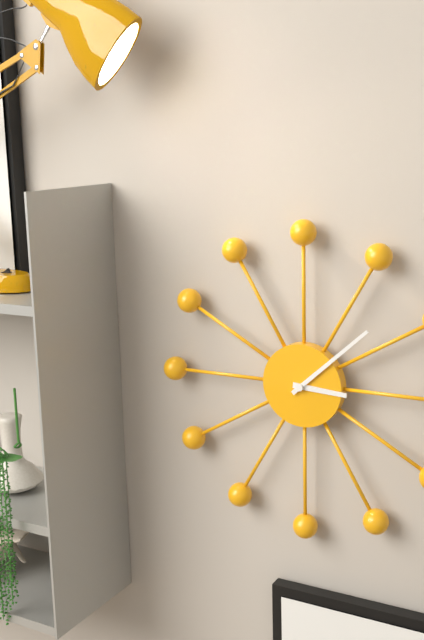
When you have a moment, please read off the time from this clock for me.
3:08
